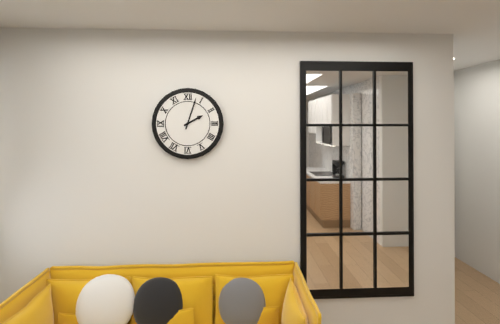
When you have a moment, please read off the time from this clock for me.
2:03
